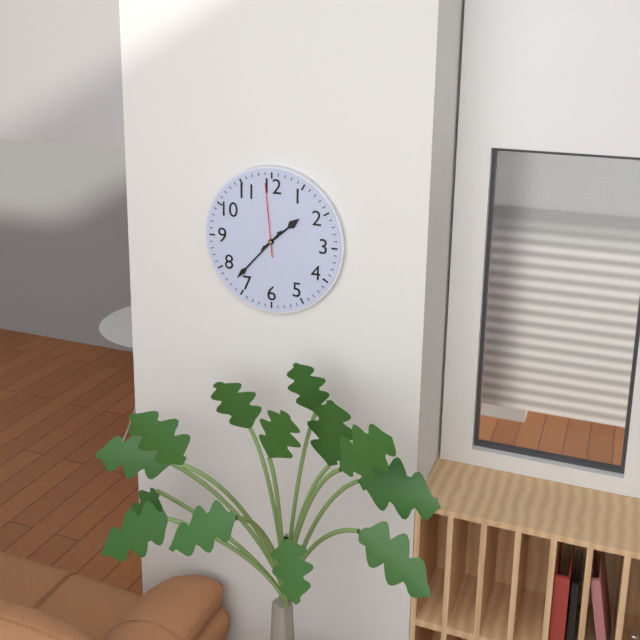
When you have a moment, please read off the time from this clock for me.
1:37:59
